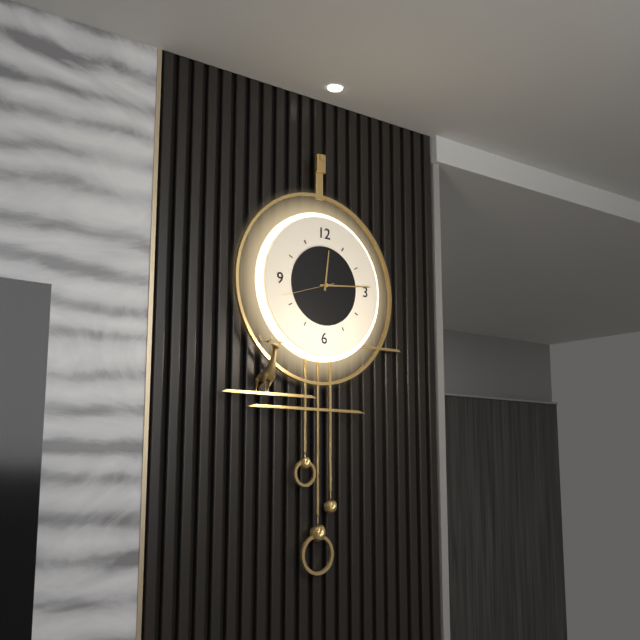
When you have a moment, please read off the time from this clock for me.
12:14:42
